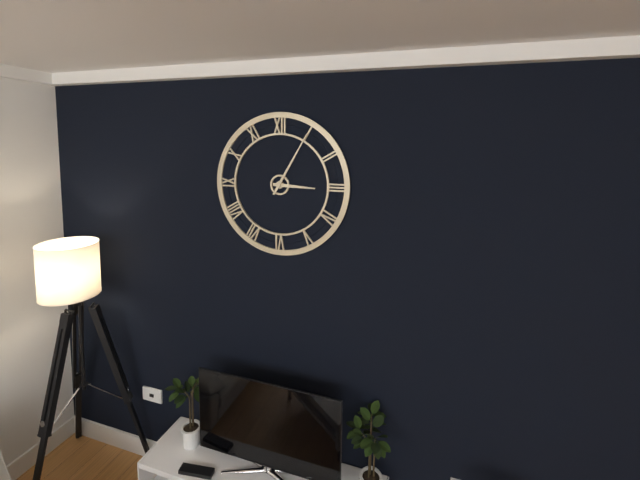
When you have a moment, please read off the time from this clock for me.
3:05
